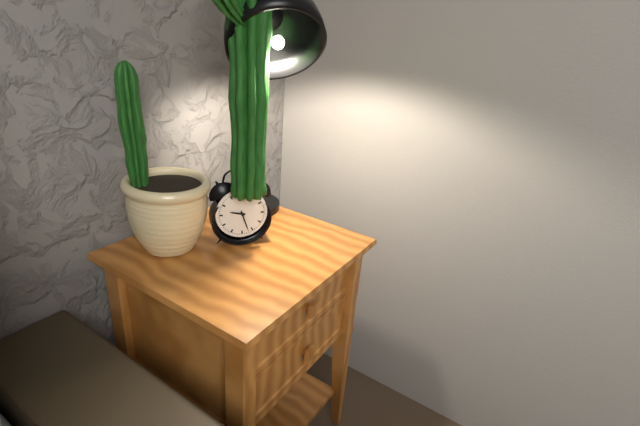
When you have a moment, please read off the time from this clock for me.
9:27
